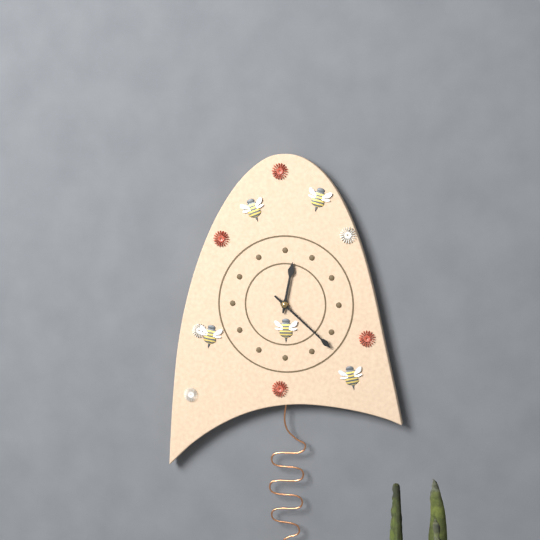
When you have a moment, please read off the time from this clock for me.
12:22
